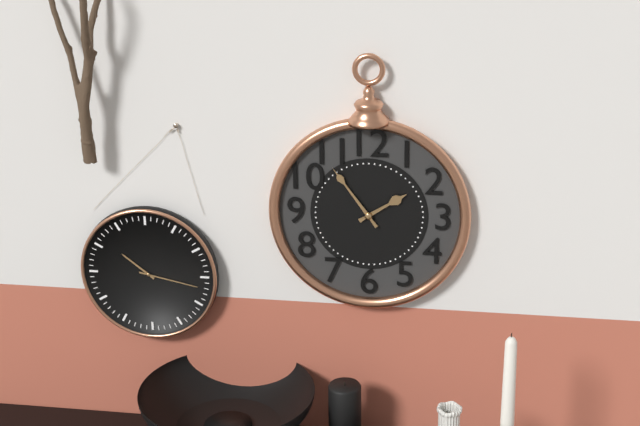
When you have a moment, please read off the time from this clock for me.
1:54
